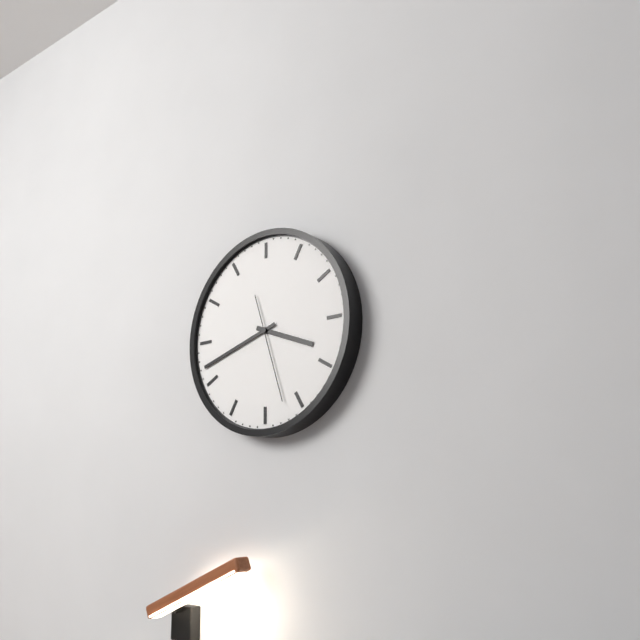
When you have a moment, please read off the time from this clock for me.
3:42:27
